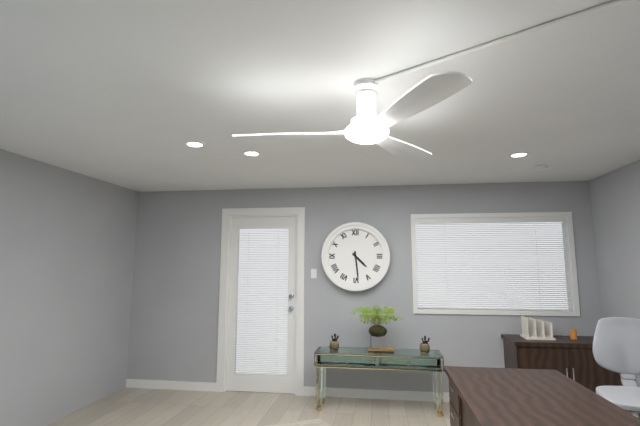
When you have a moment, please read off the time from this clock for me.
4:29
